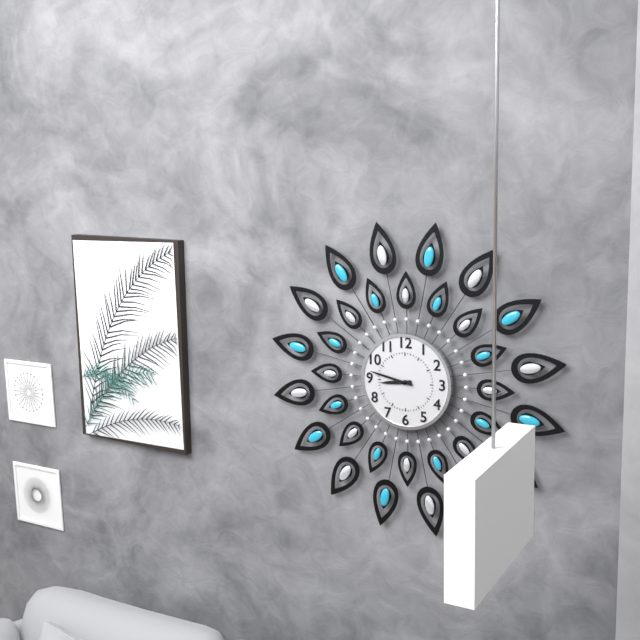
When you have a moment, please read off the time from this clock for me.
8:47
